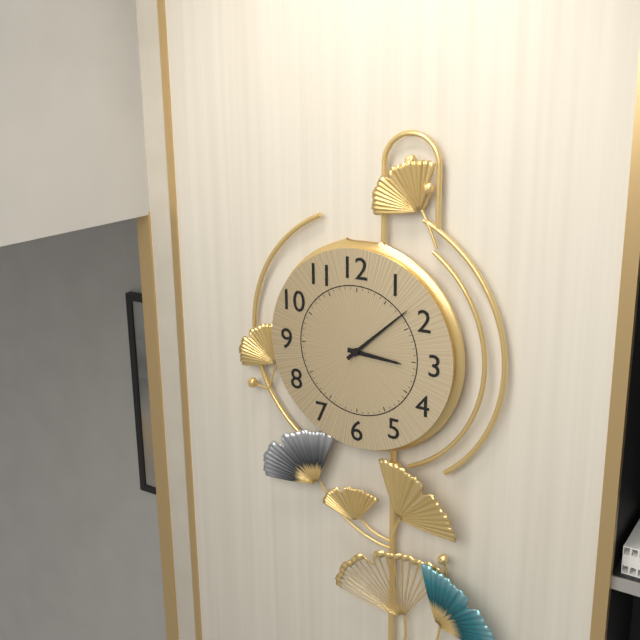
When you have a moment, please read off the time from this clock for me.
3:08
